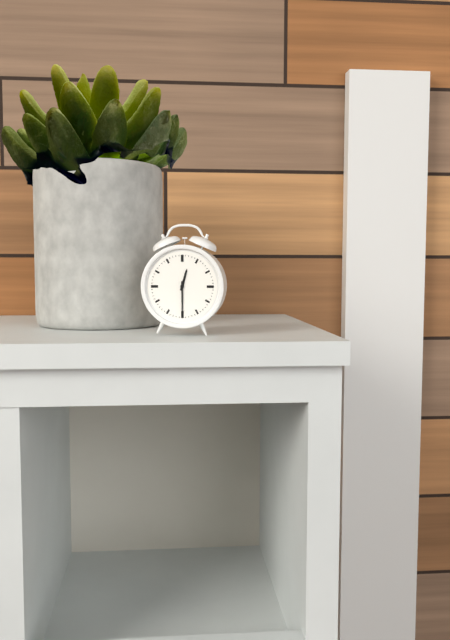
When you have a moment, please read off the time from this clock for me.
12:30
